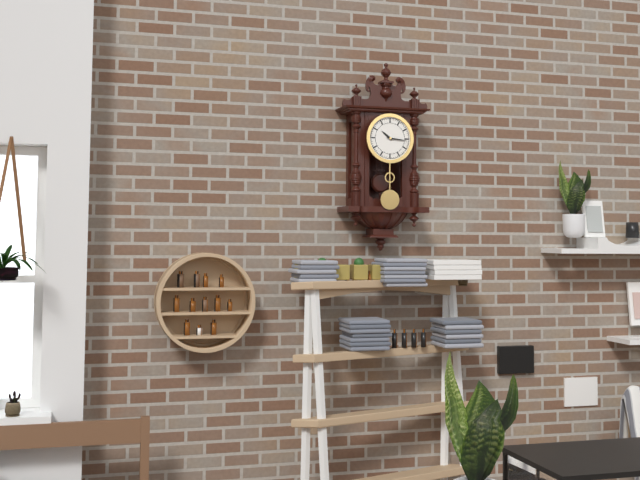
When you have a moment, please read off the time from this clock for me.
10:16
